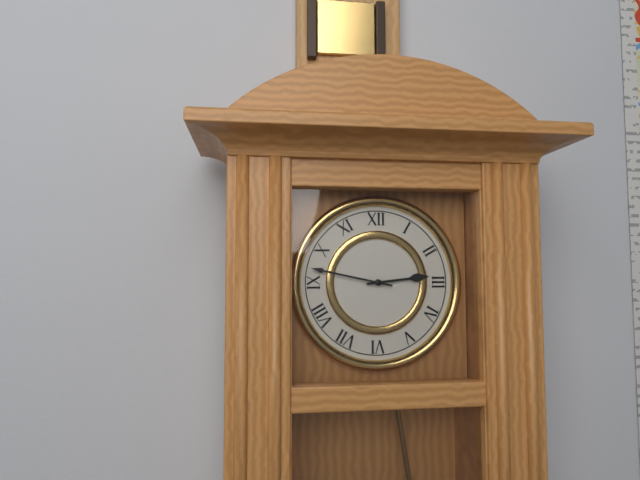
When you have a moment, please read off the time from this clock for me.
2:47
